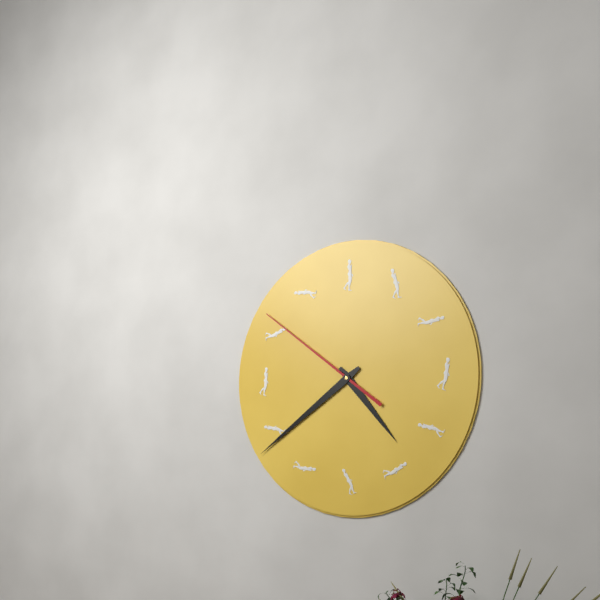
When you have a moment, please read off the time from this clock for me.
4:39:51
